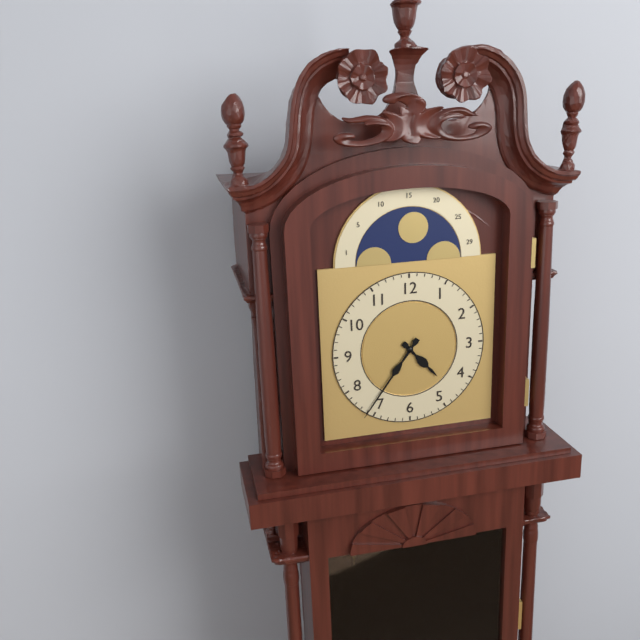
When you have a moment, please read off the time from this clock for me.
4:36
